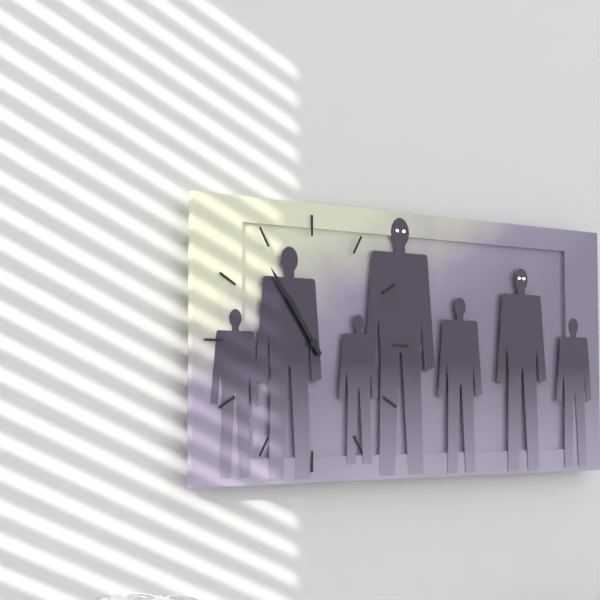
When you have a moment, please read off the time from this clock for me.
10:54
